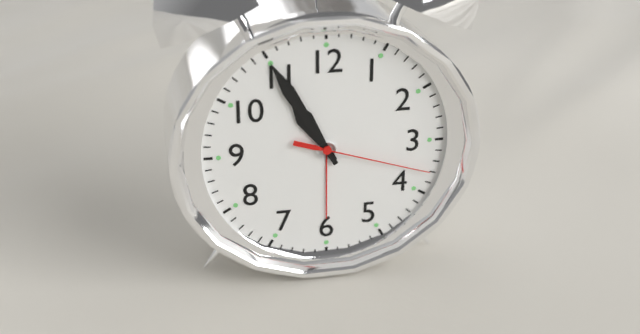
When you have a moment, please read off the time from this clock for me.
10:55:18
